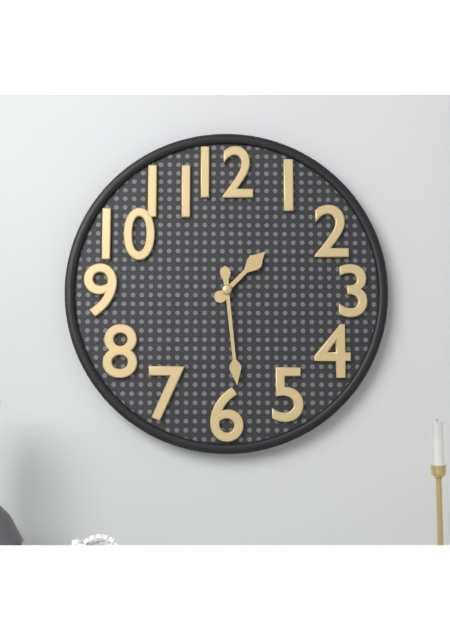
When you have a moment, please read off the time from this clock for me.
1:29
